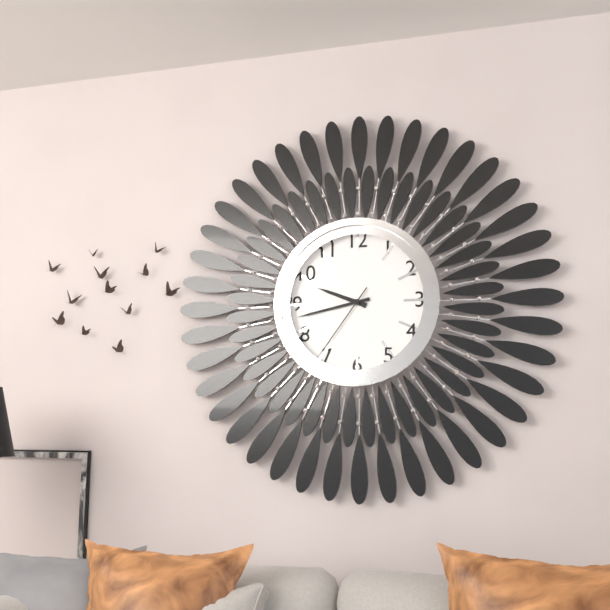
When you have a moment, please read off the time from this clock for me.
9:43:36
